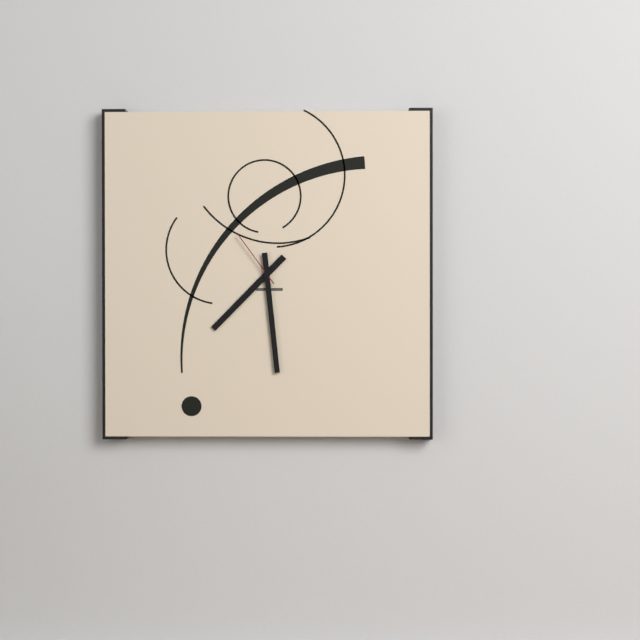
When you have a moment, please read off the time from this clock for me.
7:29:54
